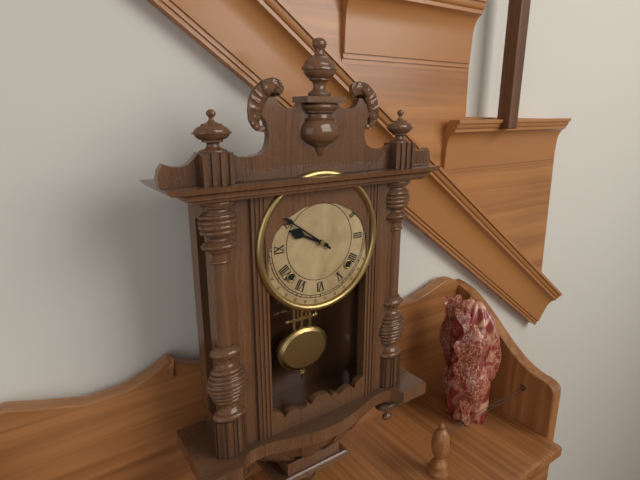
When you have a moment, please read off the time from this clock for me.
9:51
